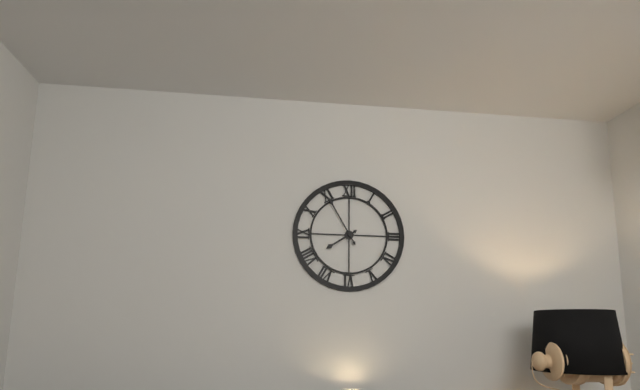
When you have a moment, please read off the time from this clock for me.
7:55
